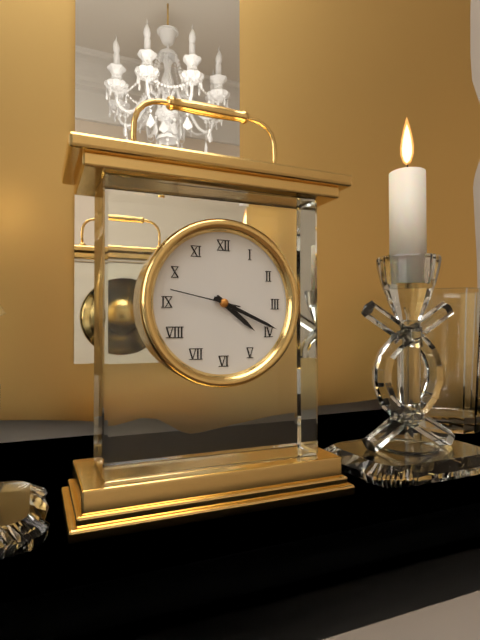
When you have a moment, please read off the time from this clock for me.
4:19:47
